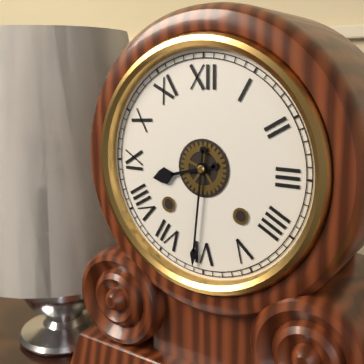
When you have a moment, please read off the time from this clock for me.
8:31
